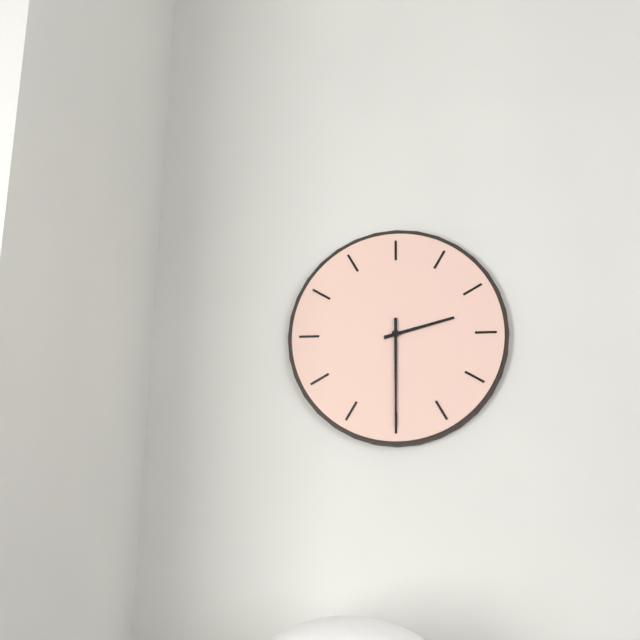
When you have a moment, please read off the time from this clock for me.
2:30
